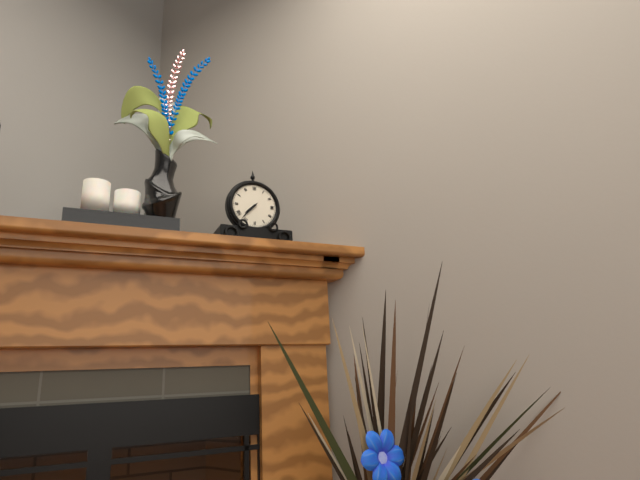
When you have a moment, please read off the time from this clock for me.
7:37
